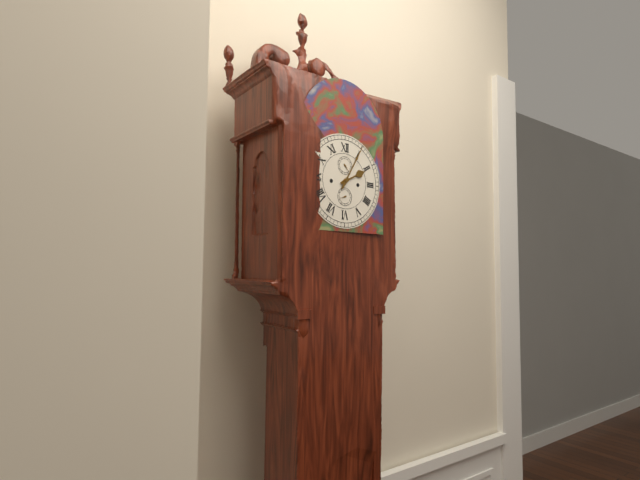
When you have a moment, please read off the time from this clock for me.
2:05
